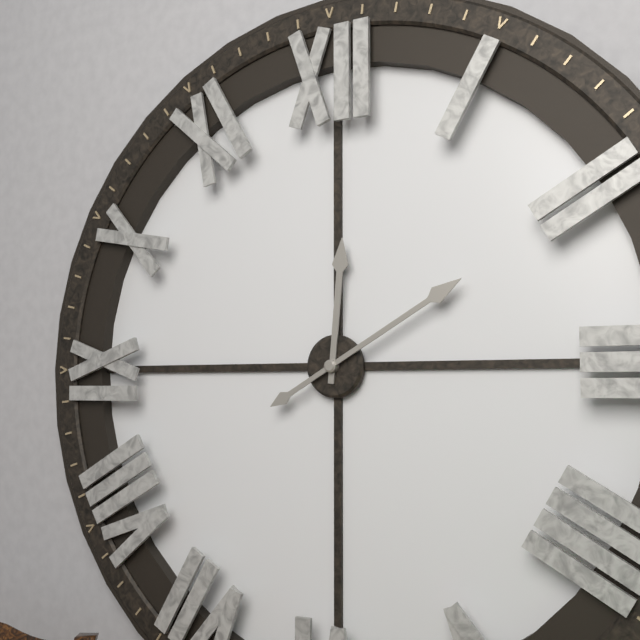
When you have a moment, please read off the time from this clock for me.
12:10
